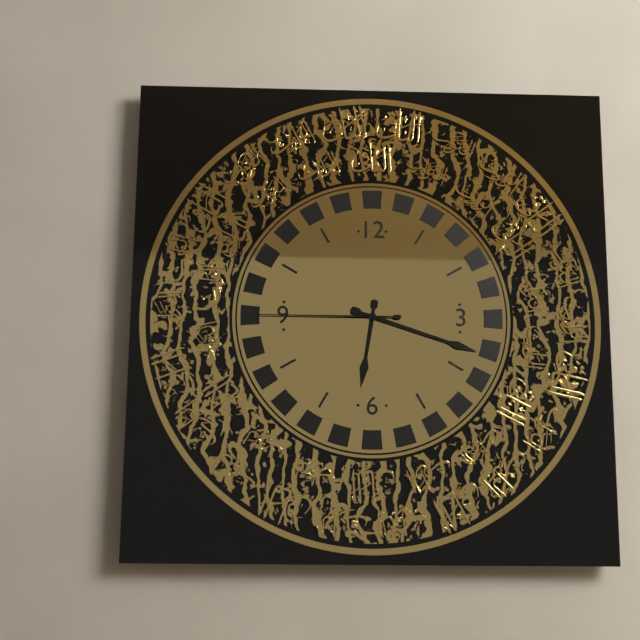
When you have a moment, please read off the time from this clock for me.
6:18:45
